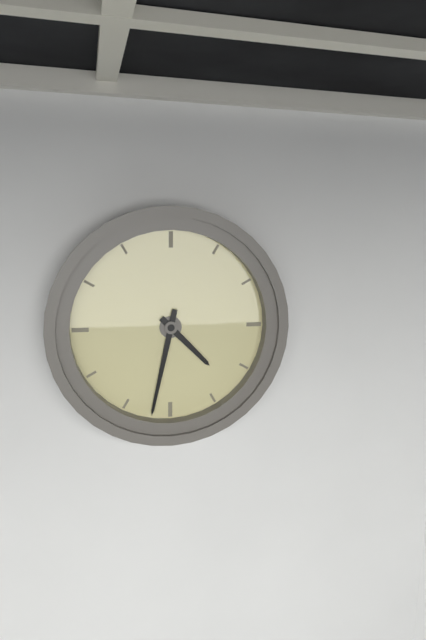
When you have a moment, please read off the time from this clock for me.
4:32
